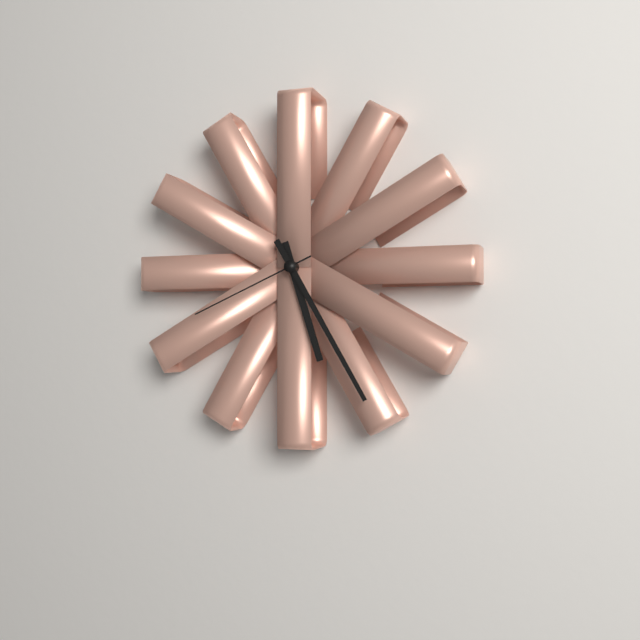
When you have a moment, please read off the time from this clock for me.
5:25:41
